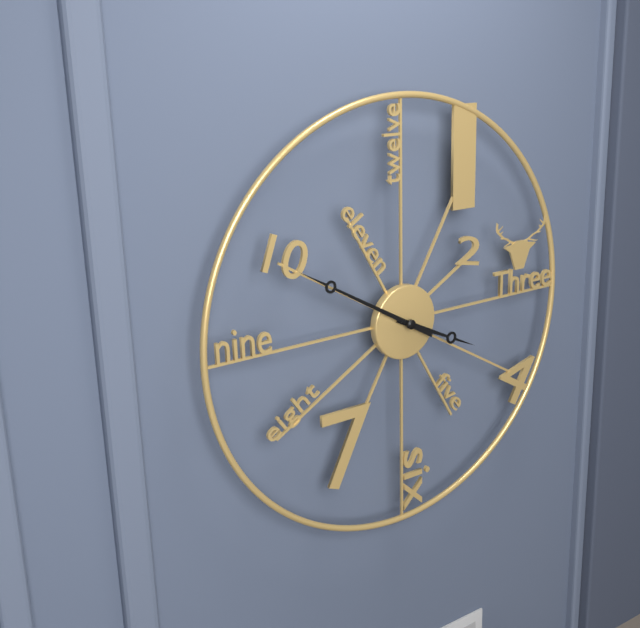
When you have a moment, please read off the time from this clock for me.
3:50
